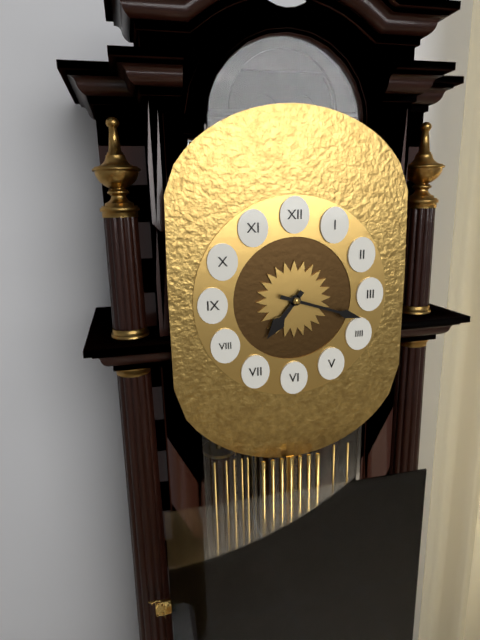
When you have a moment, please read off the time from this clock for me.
7:18
